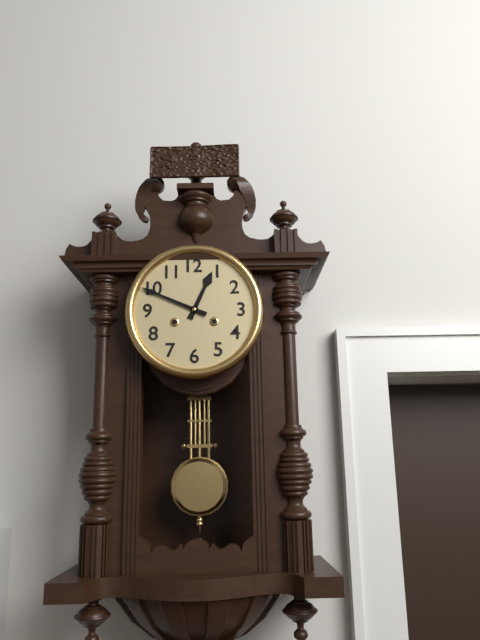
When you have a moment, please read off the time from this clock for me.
12:49
